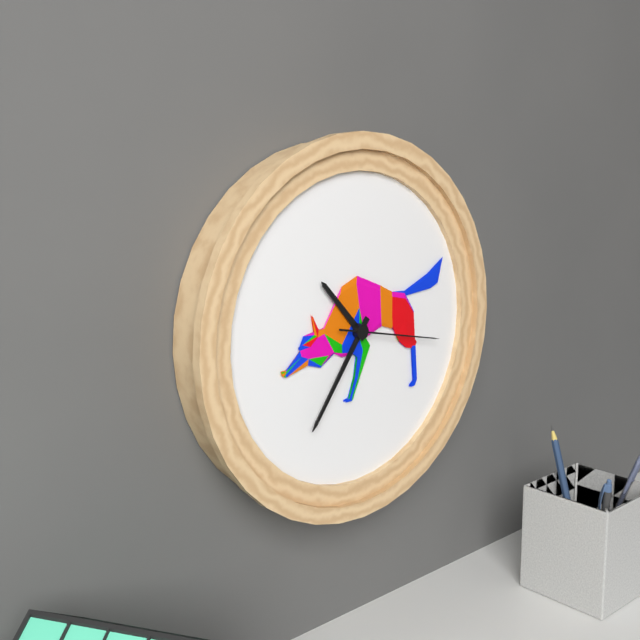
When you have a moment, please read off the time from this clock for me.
10:36:17
